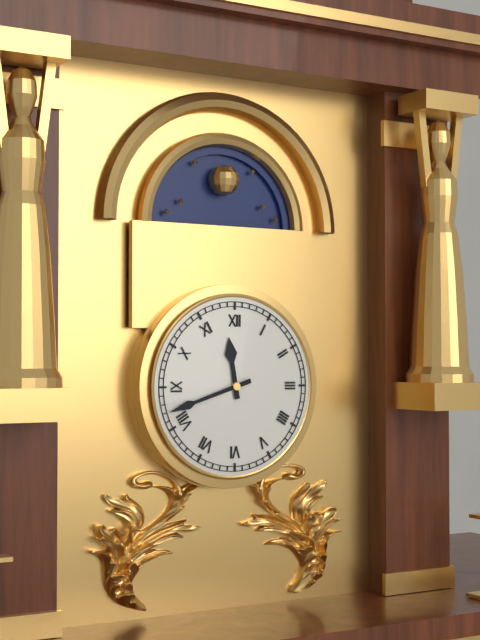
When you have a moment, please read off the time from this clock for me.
11:42
